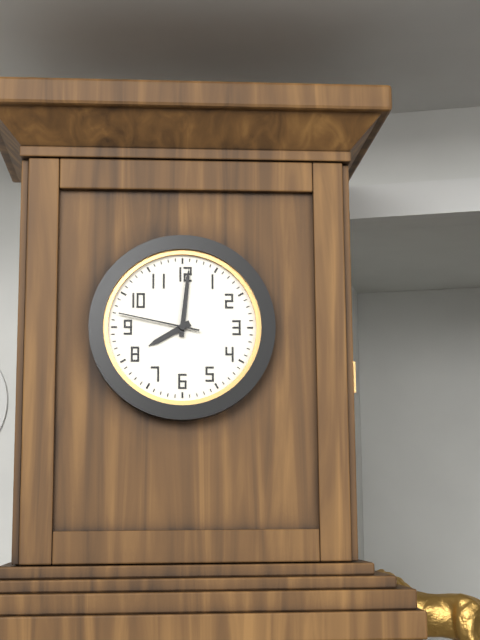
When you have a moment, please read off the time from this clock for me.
8:01:47
